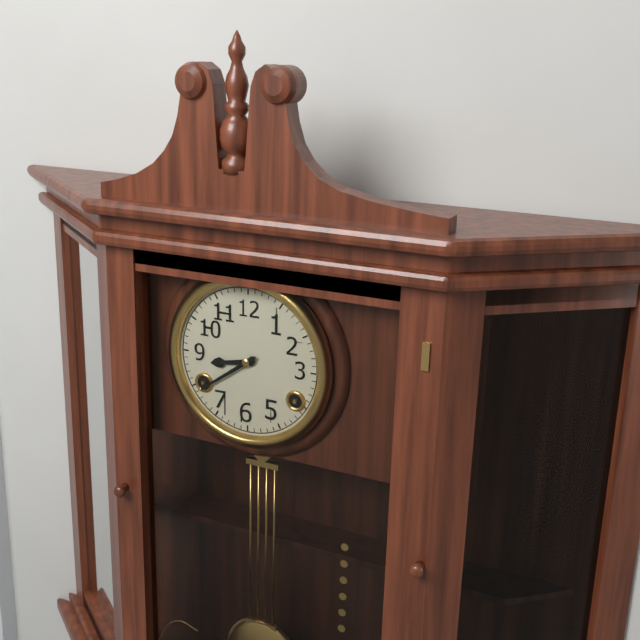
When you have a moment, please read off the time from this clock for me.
8:39
